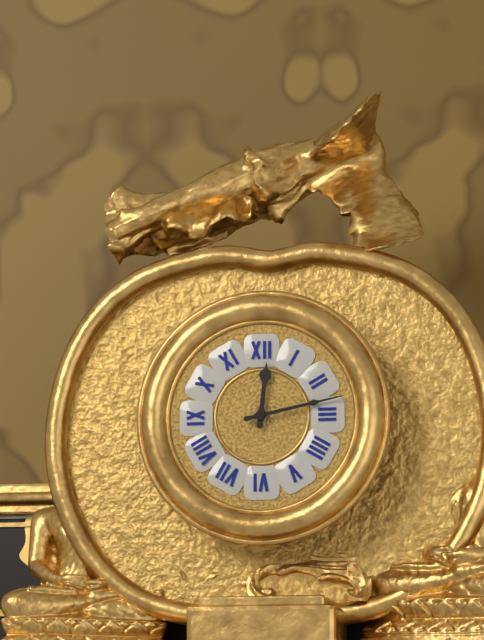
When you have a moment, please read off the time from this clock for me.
12:13
